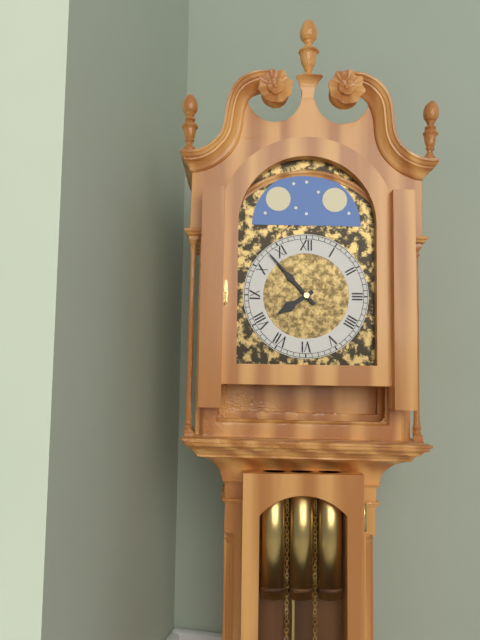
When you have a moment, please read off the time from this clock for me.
7:53
